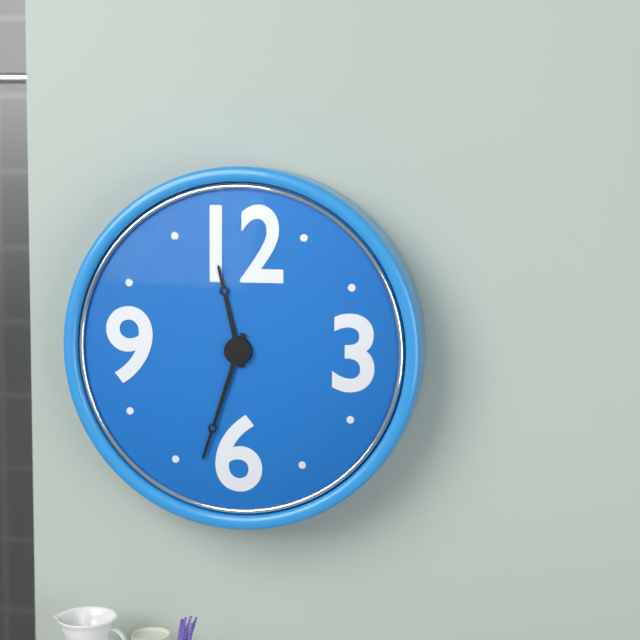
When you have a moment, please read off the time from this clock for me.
11:33
